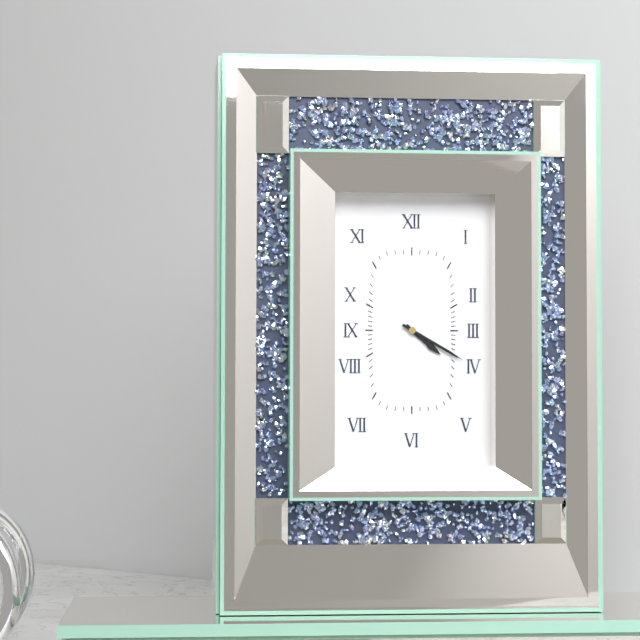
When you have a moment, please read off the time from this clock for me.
4:20
